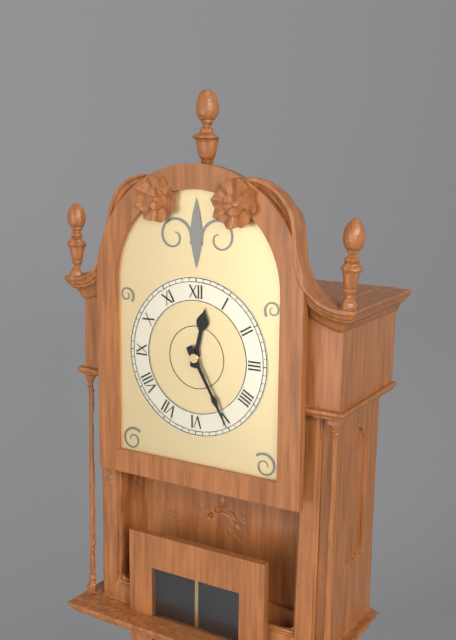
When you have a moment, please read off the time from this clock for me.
12:25
